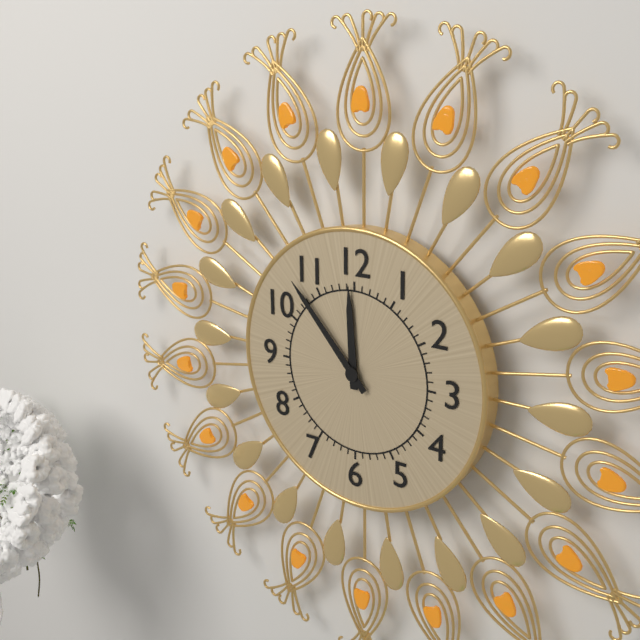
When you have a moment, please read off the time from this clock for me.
11:53
